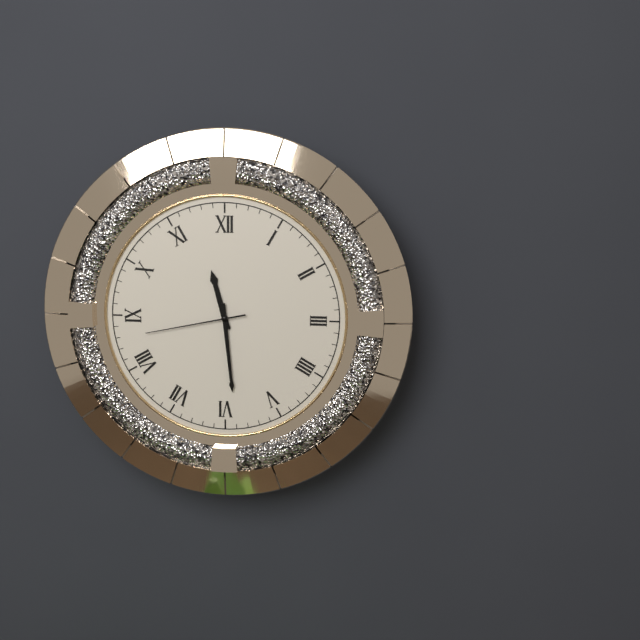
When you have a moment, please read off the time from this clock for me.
11:29:43
